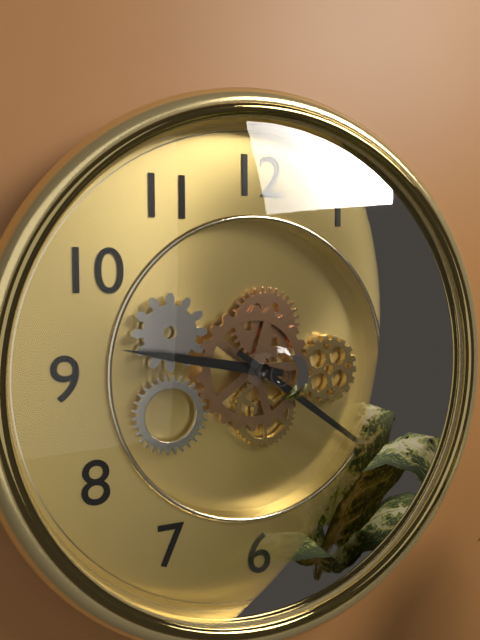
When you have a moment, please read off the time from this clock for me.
9:21
